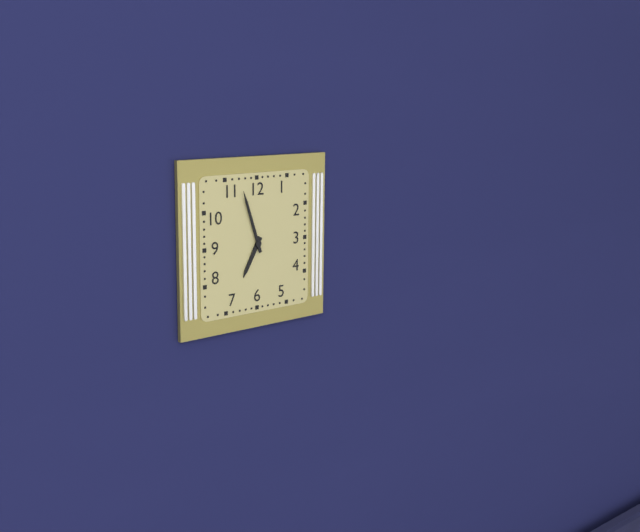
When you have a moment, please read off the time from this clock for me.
6:57
